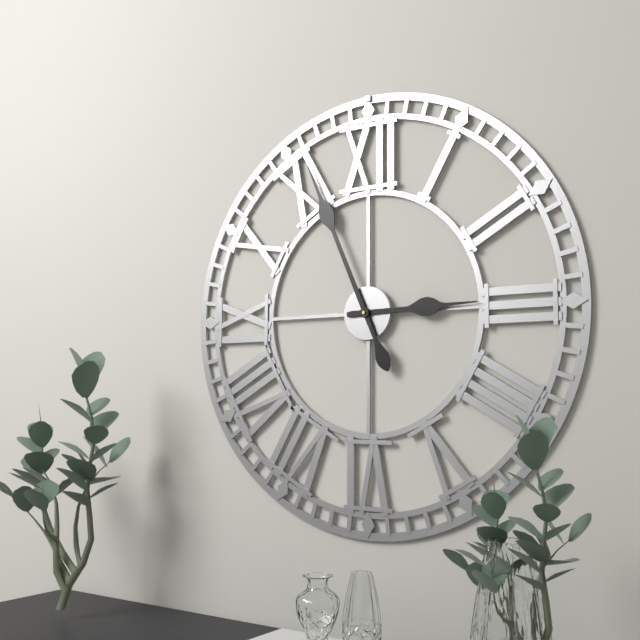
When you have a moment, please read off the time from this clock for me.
2:56
